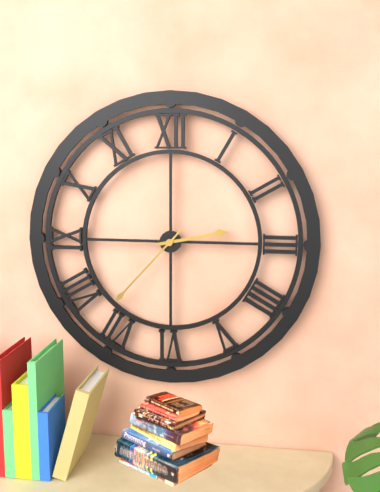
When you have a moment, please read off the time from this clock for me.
2:37
